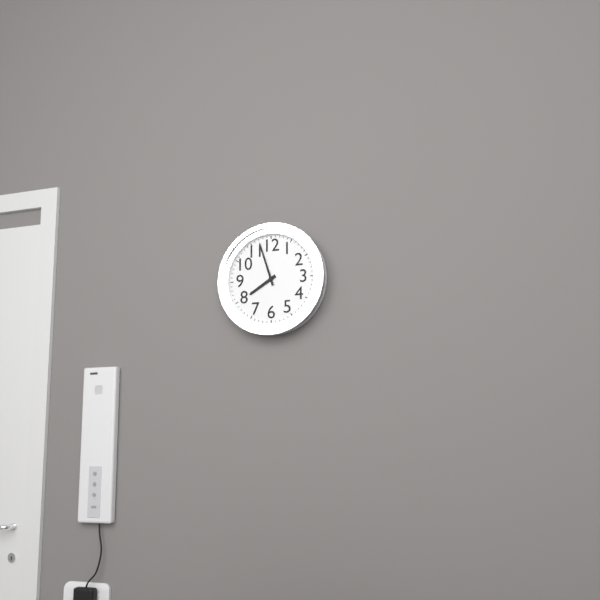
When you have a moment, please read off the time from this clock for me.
7:57
